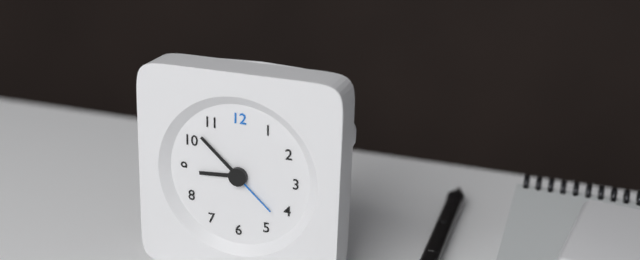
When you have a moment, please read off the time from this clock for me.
8:52:22
